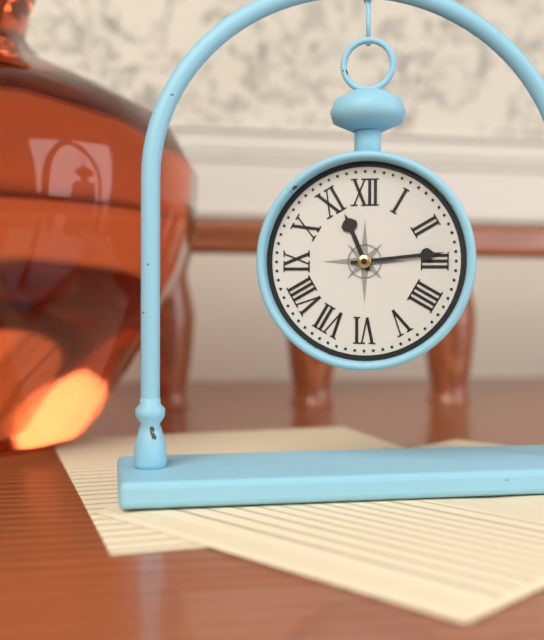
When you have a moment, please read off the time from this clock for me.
11:14
